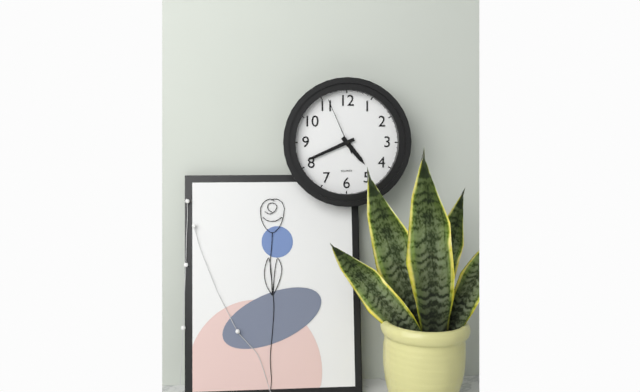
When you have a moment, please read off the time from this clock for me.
4:41:56
